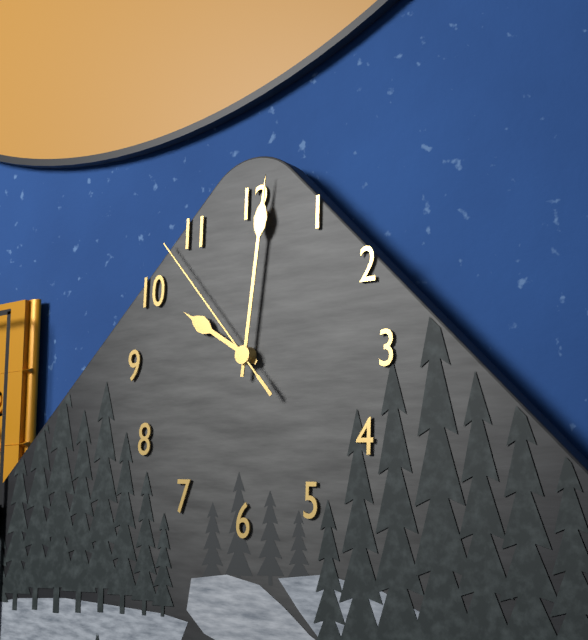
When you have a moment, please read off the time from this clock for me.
10:01:53
